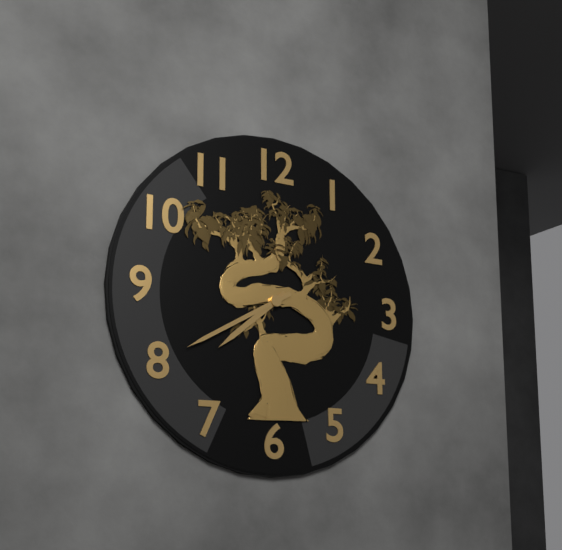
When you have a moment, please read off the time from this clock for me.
7:40
